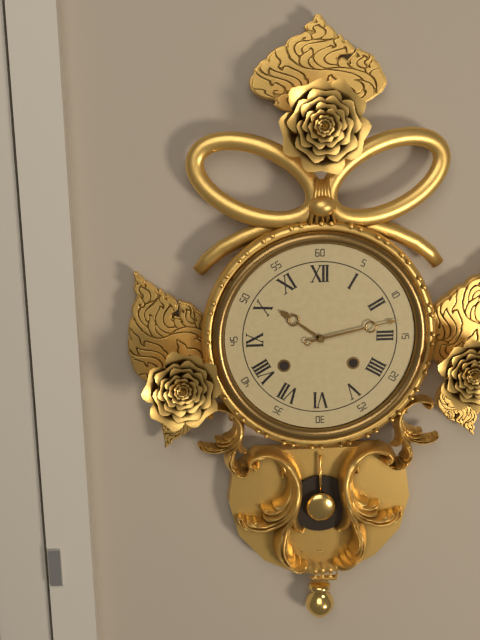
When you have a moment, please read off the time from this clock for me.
10:13
